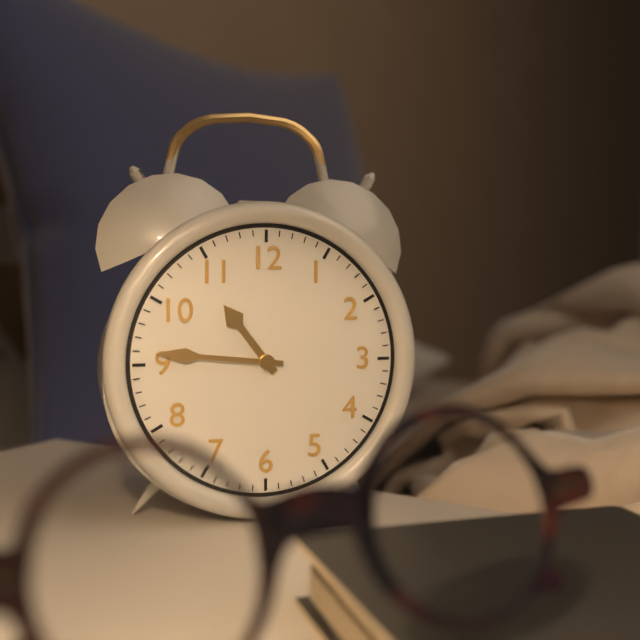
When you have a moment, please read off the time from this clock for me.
10:46
